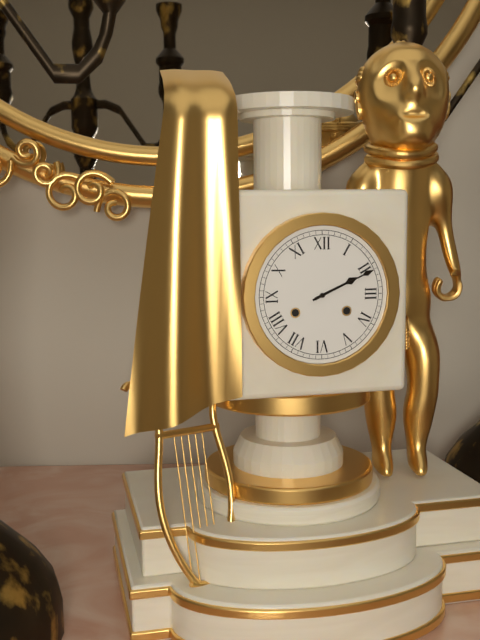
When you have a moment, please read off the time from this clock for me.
2:11
